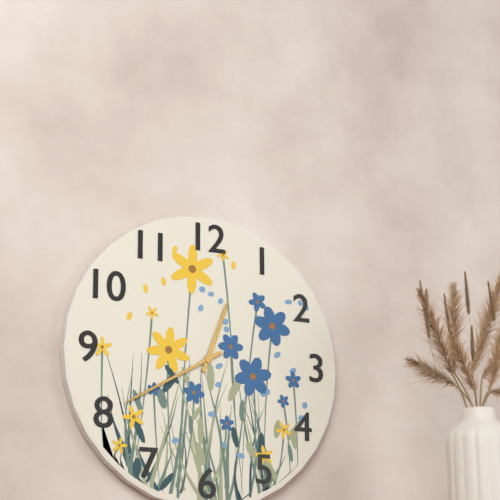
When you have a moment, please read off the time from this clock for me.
12:40
